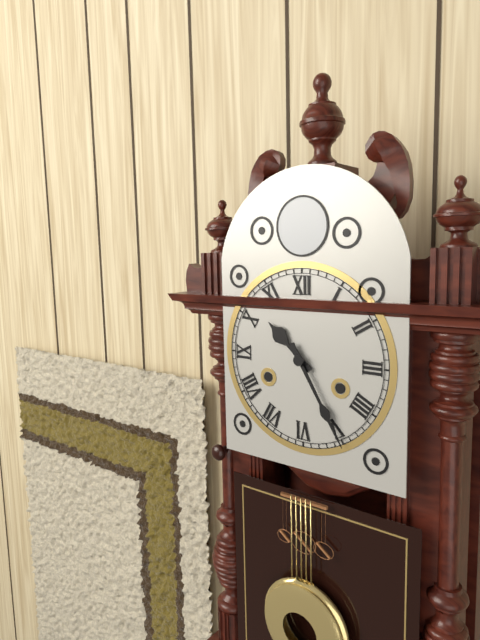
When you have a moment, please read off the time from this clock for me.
10:25
